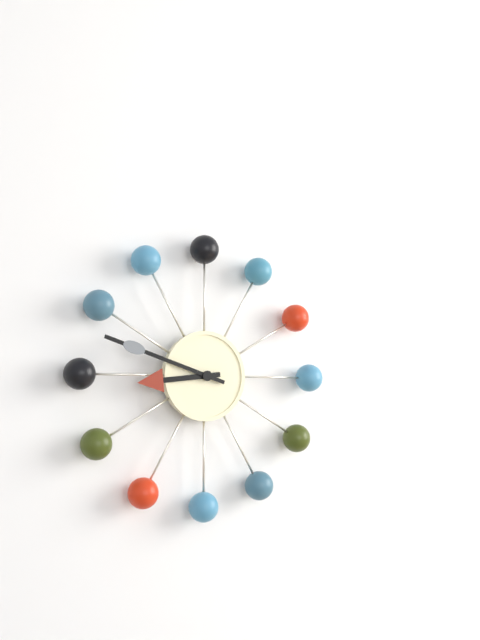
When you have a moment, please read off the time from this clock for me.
8:48
